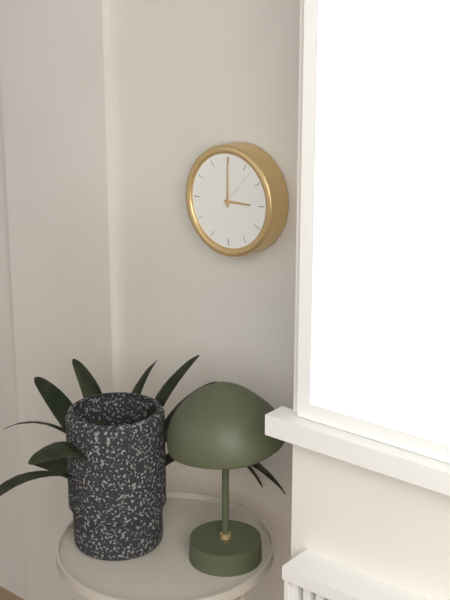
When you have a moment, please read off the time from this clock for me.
3:00
